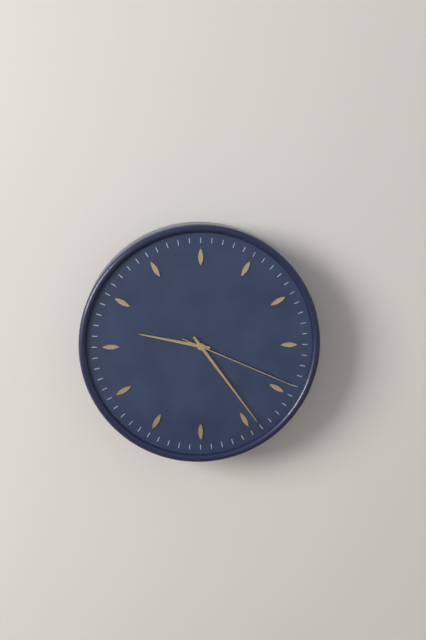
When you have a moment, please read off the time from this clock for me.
9:24:19
